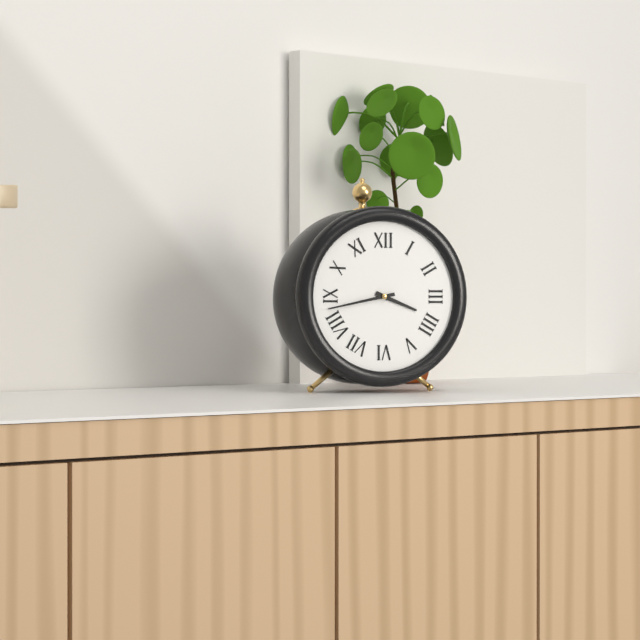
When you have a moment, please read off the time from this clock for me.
3:43
